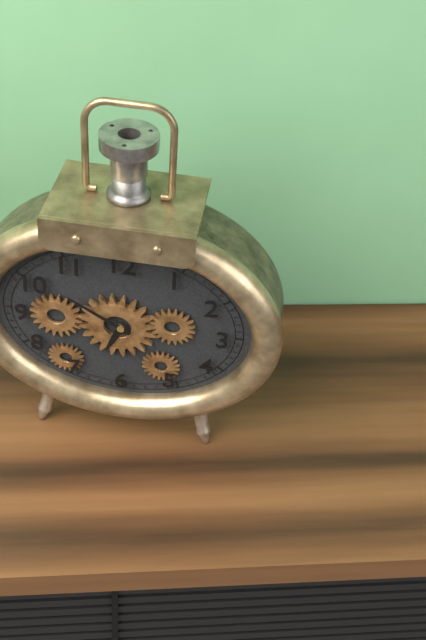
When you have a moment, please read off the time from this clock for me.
6:50
